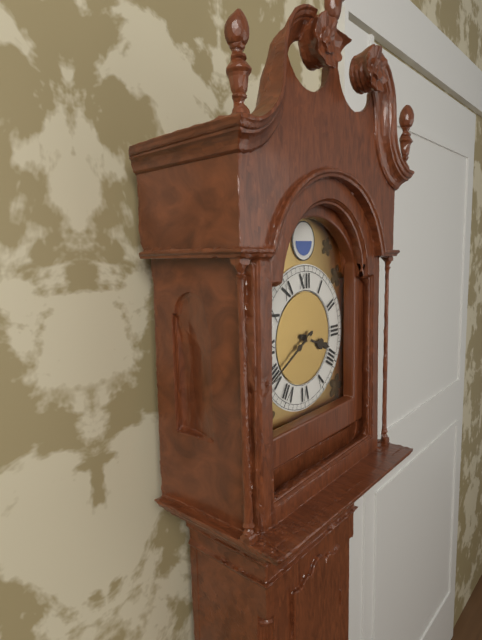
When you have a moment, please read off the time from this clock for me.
3:40
